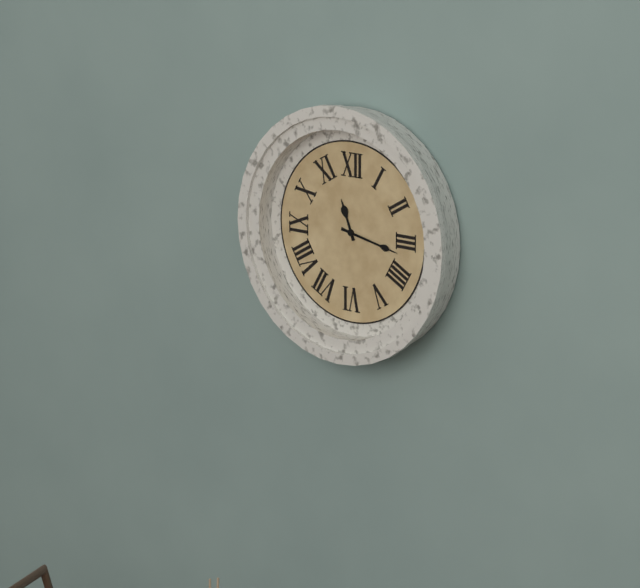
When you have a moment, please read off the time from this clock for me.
11:17
